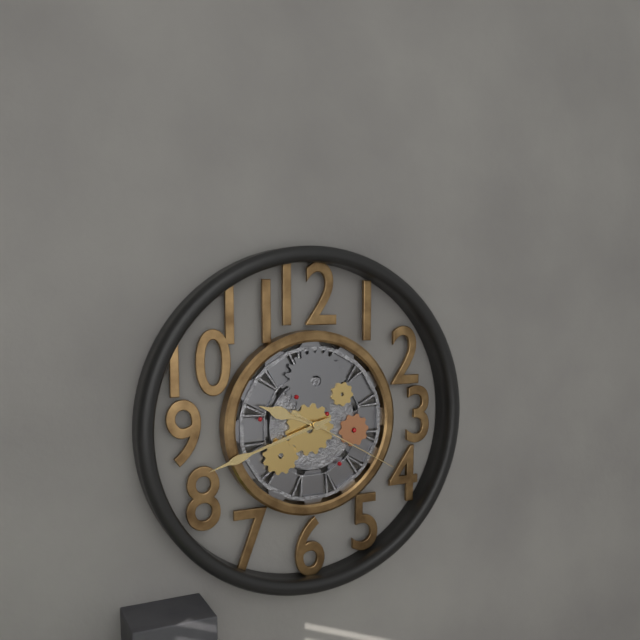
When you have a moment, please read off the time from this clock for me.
9:42:20
